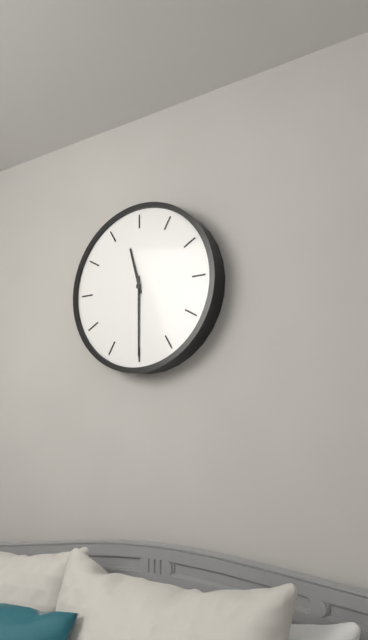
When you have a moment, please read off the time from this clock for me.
11:30
